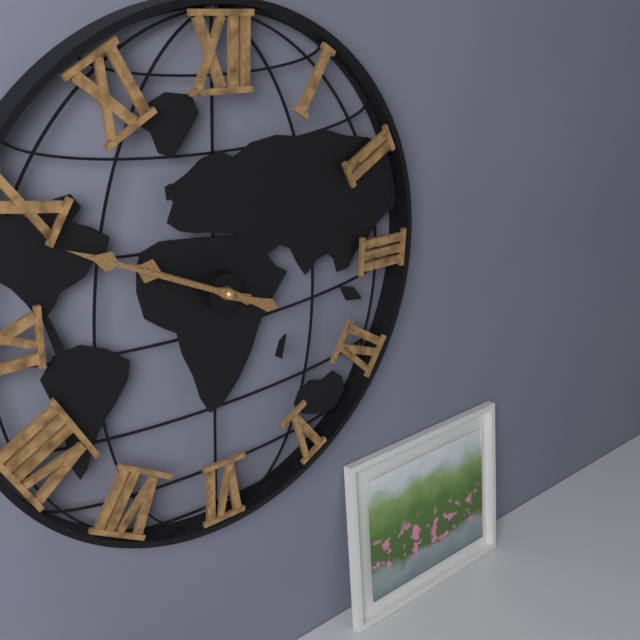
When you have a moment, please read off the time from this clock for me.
9:49
